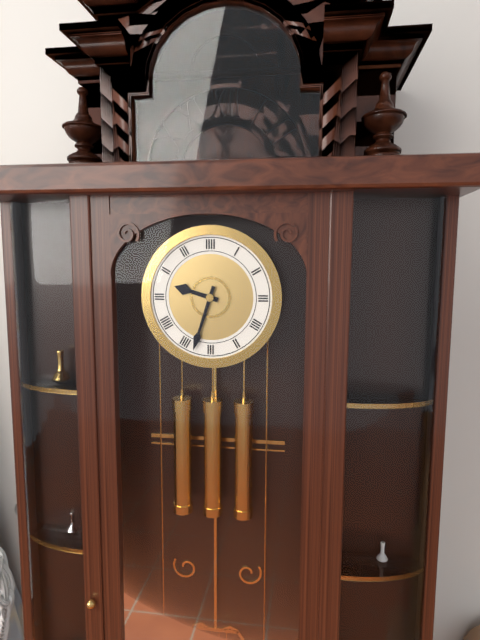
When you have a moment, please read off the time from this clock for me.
9:33
